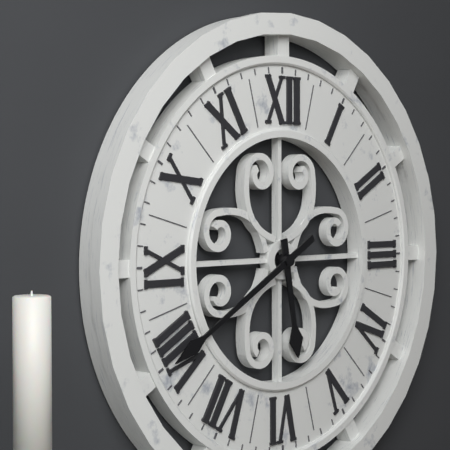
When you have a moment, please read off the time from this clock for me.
5:40
